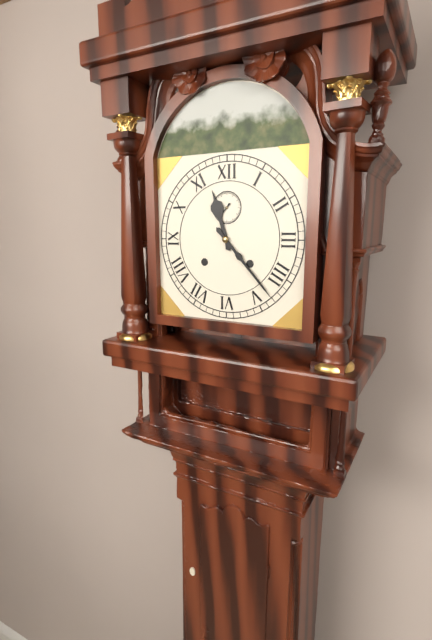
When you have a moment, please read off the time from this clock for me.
11:23
